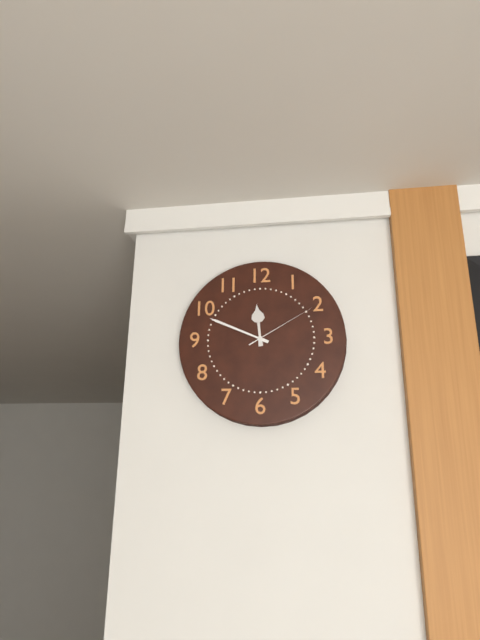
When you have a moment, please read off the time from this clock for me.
11:49:10
